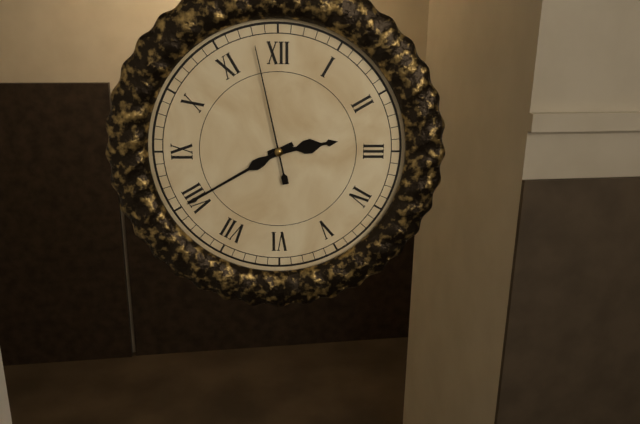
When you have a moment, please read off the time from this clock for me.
2:40:58
